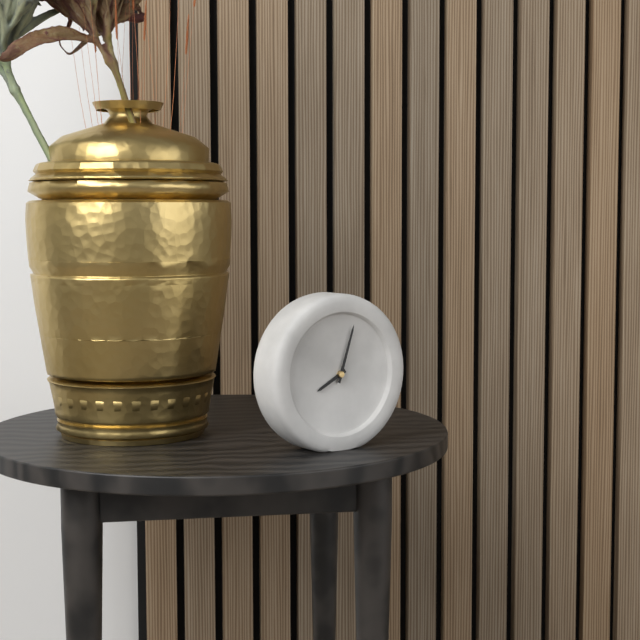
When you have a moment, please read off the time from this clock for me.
8:03
